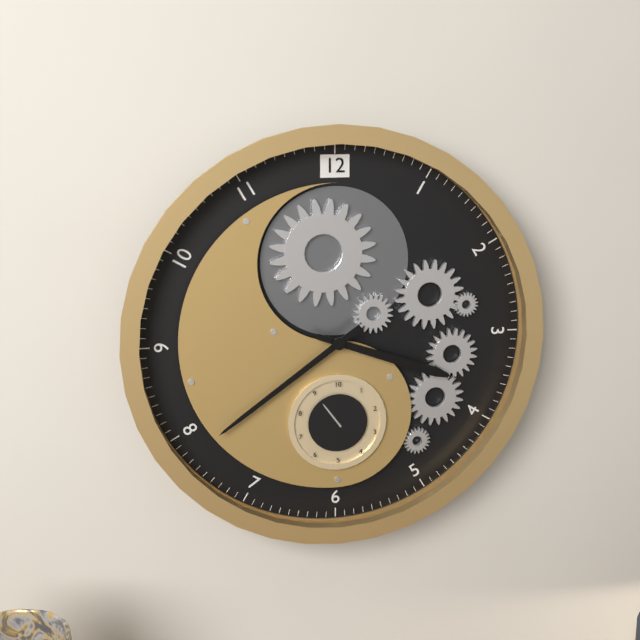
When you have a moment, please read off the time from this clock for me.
3:39
